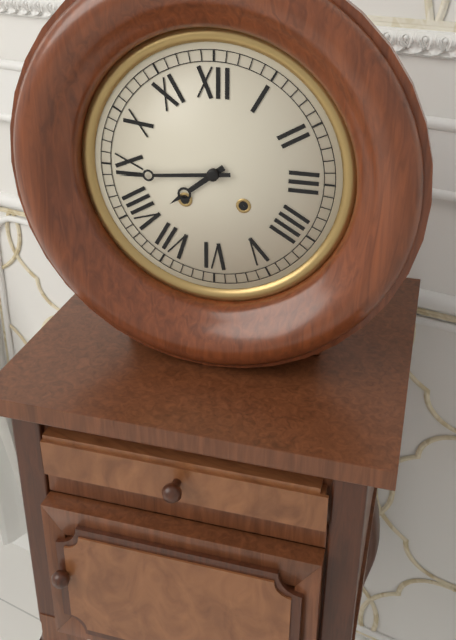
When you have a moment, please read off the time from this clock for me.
7:44
